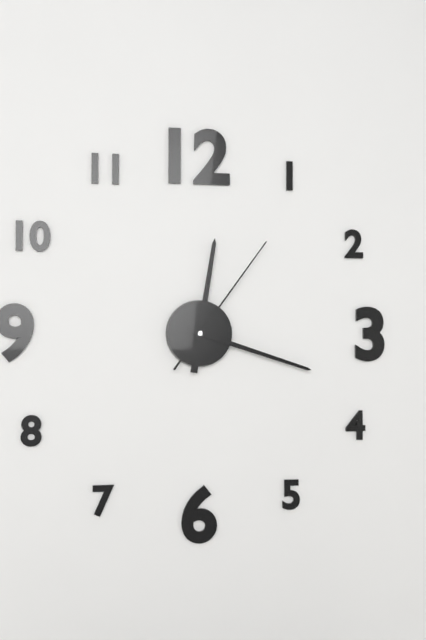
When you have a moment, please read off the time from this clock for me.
12:18:06
